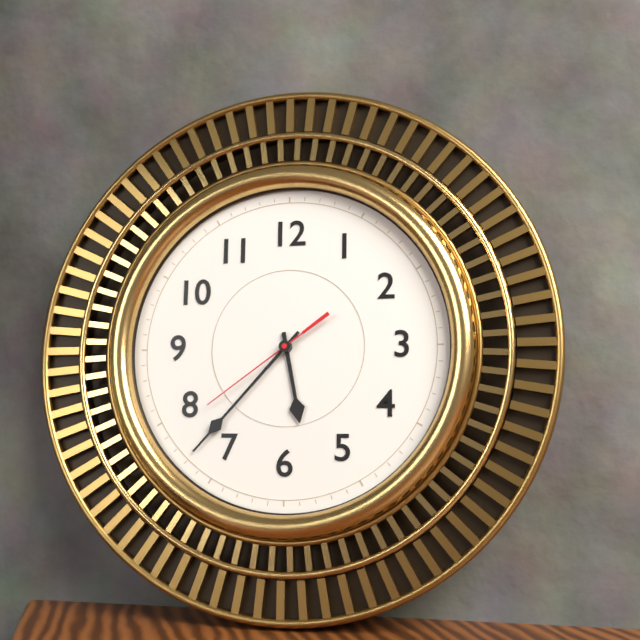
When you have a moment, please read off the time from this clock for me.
5:37:39
